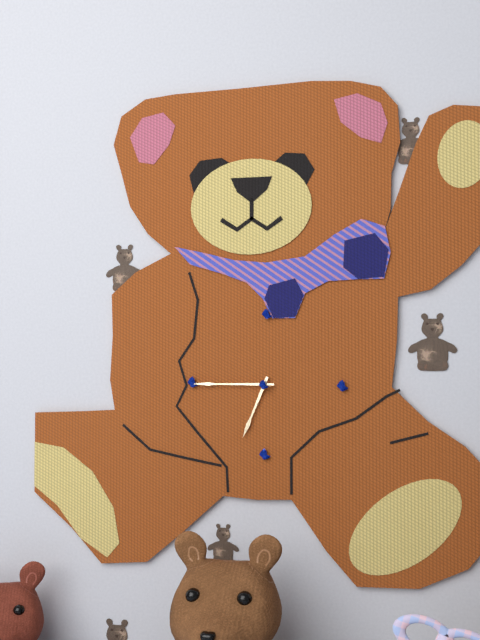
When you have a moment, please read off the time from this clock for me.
6:45
